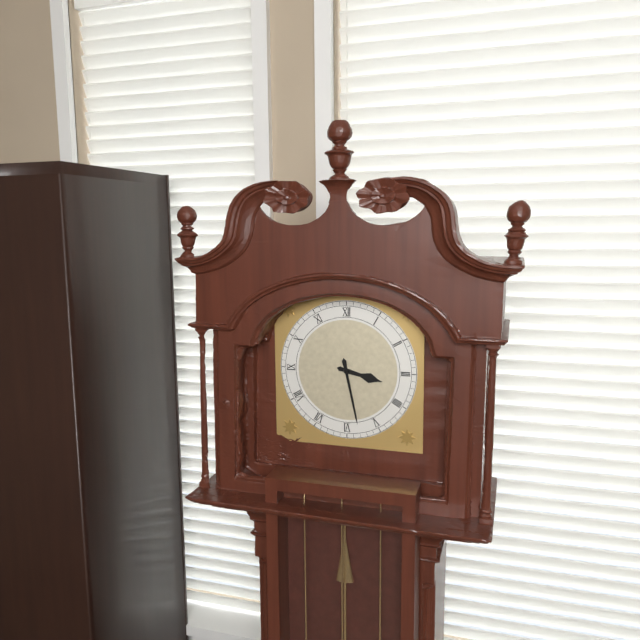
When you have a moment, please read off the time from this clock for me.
3:28
